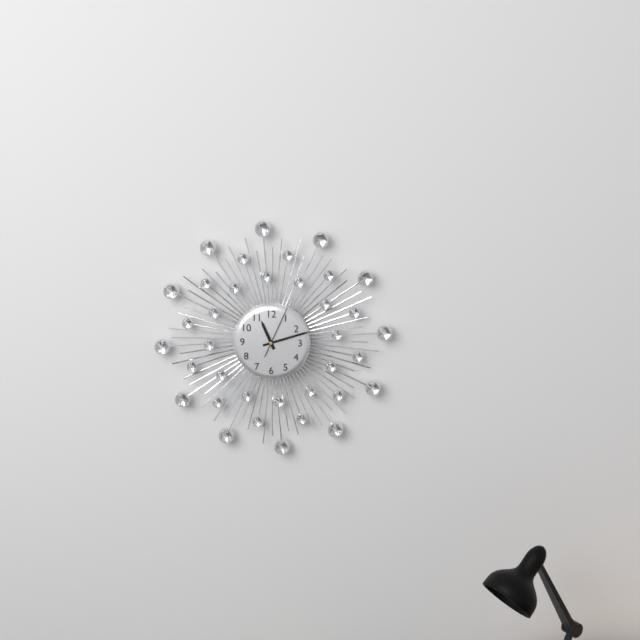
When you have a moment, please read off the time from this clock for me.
11:12:04
